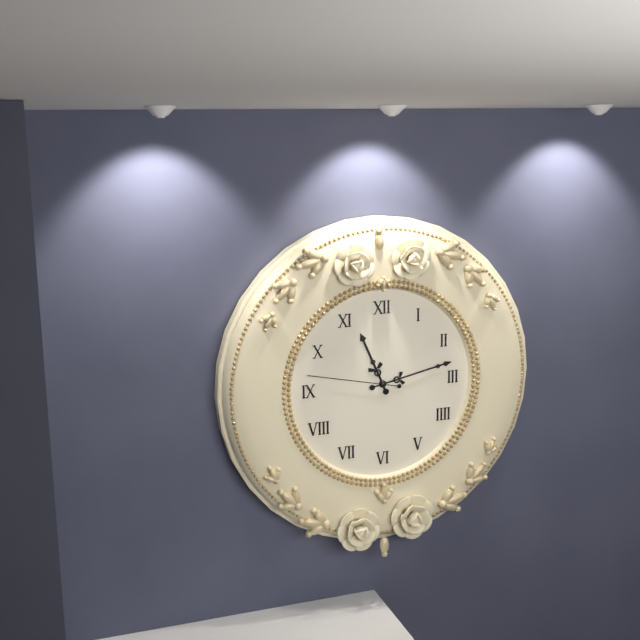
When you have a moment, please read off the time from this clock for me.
11:13:47
